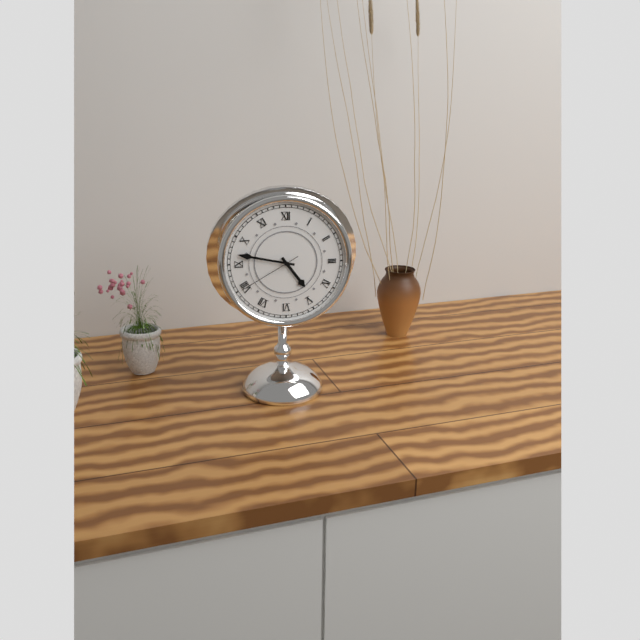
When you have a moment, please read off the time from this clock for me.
4:47:40
